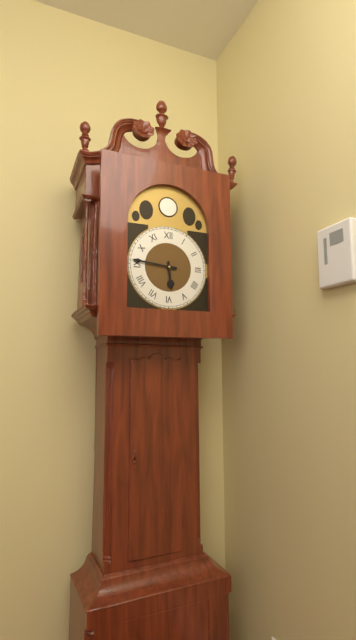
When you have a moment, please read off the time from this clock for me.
5:46
